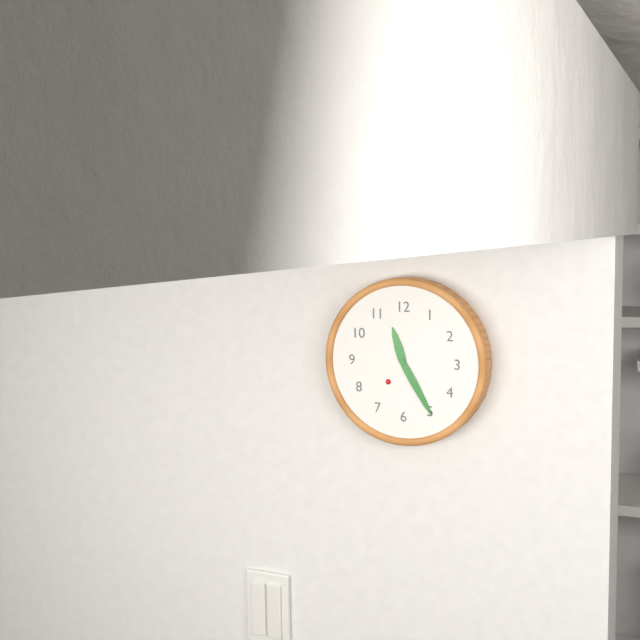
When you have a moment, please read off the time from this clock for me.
11:25
